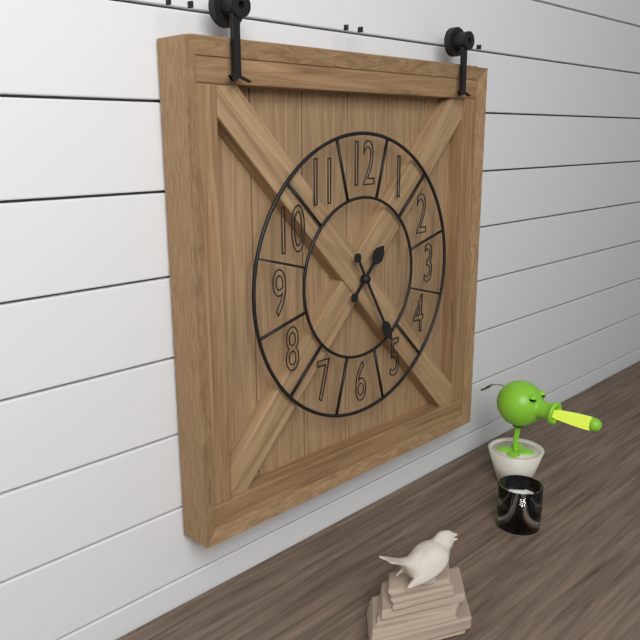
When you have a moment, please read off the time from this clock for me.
1:25
